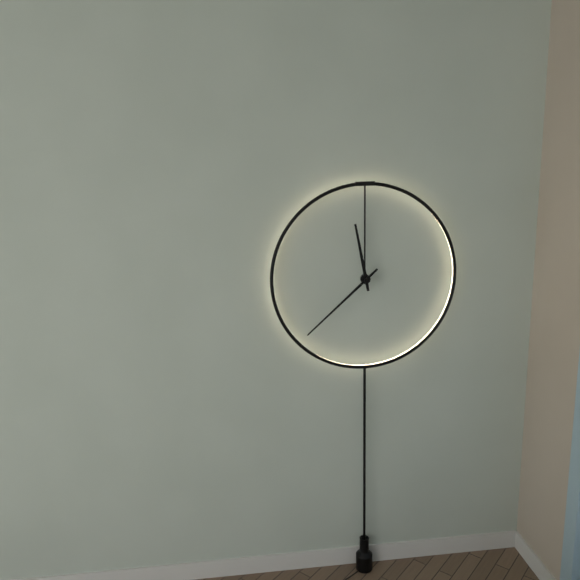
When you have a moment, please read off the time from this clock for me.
11:38
